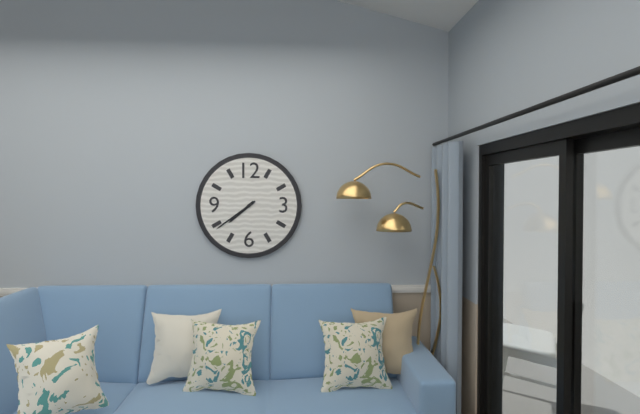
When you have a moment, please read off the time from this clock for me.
7:39
